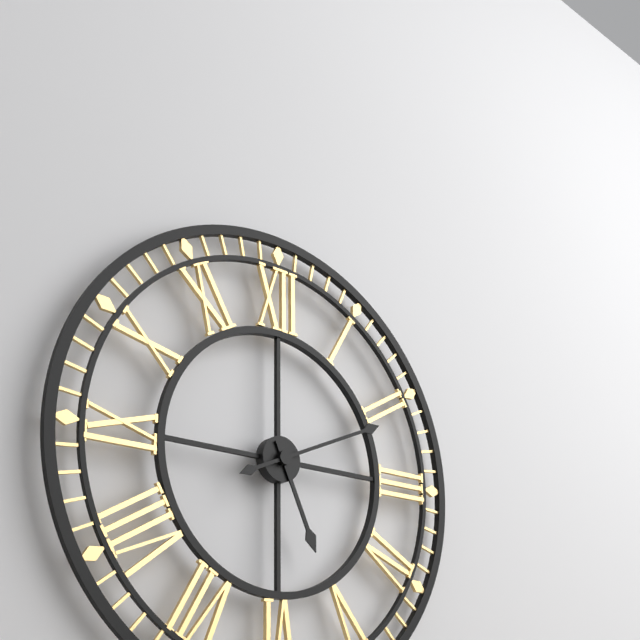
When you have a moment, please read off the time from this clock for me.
5:11
